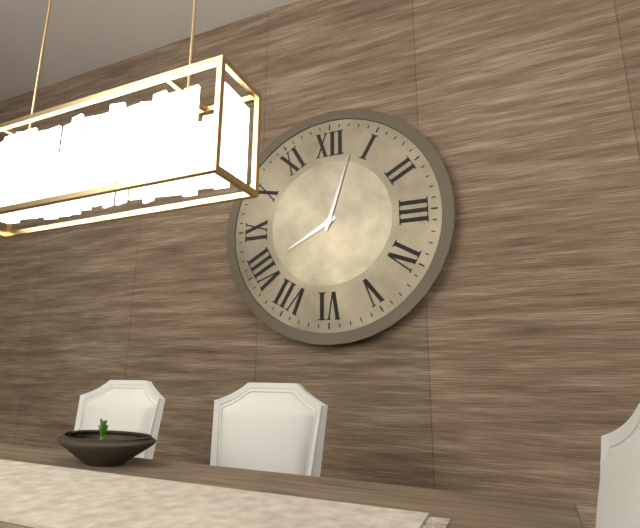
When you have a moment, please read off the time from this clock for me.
8:03
